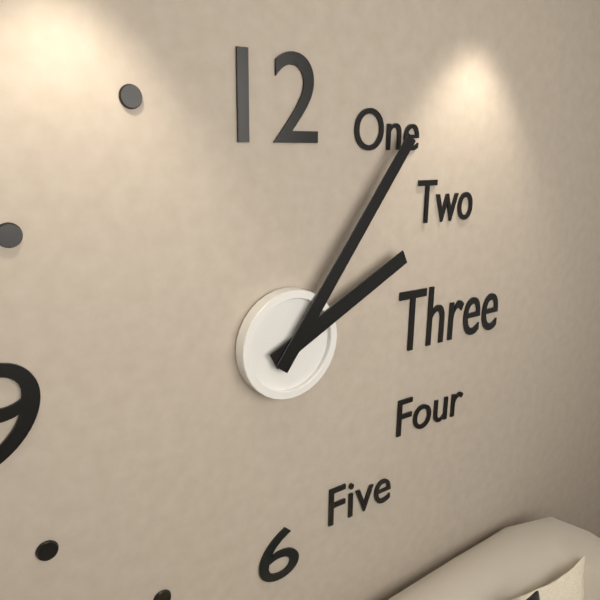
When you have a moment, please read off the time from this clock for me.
2:06
